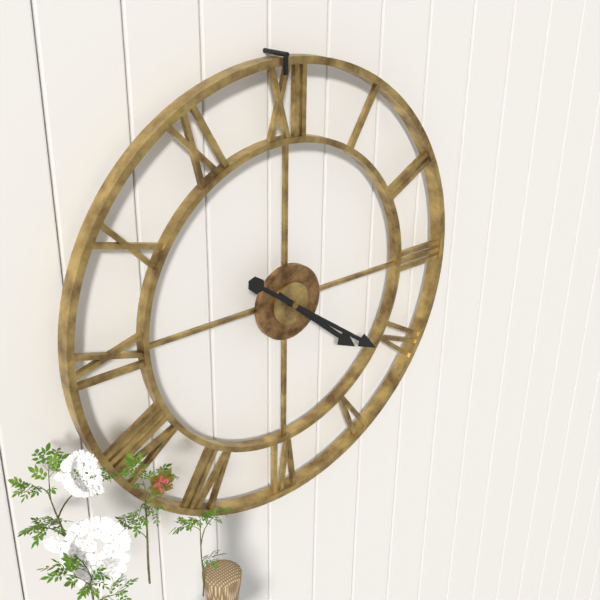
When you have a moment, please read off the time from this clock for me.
4:21
